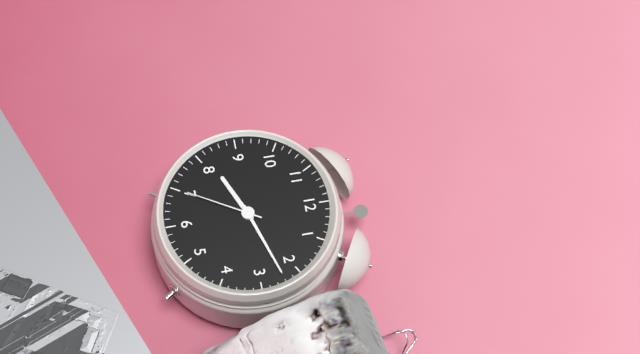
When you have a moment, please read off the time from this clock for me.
8:12:35
